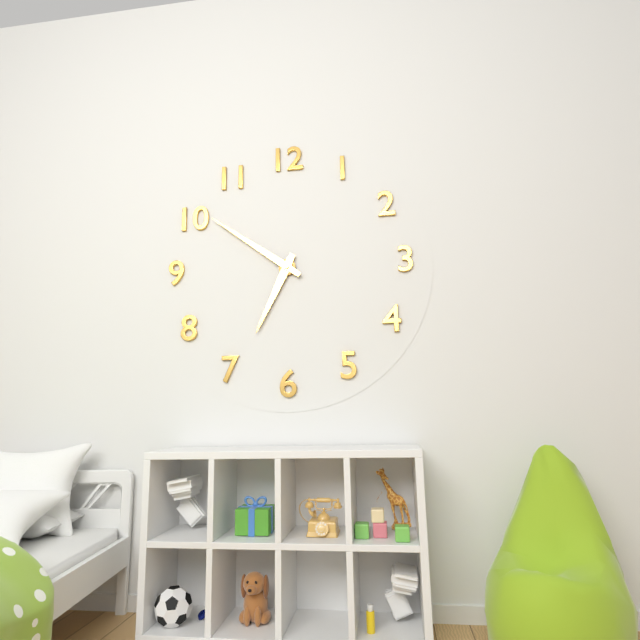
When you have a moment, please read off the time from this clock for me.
6:51
